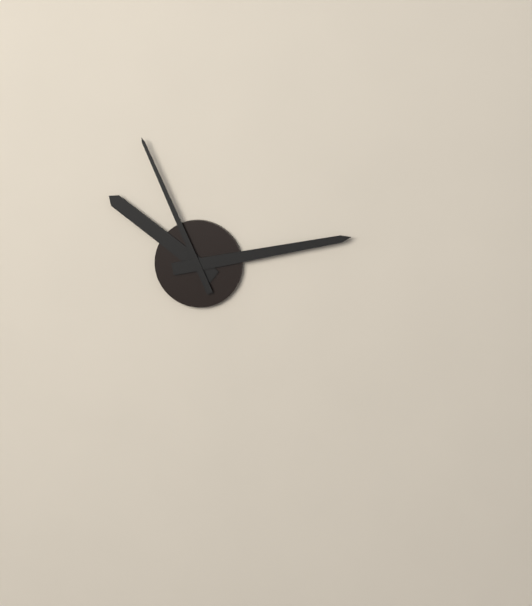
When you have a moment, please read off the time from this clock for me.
10:13:56
